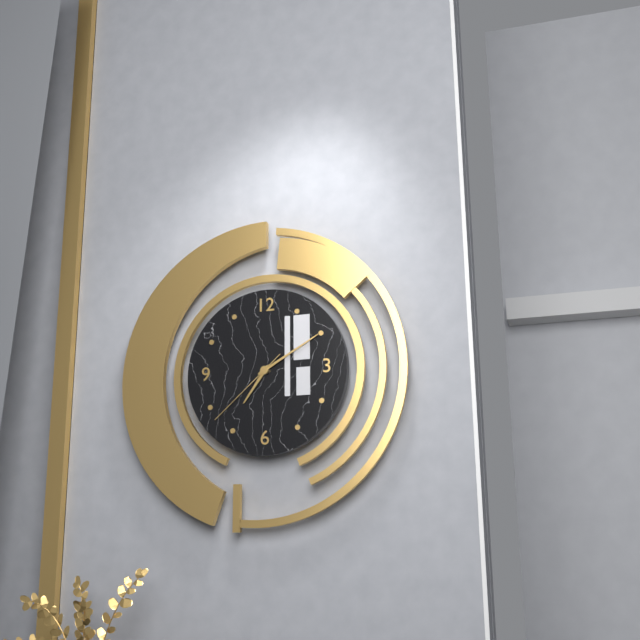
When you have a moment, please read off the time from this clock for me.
7:10:38
